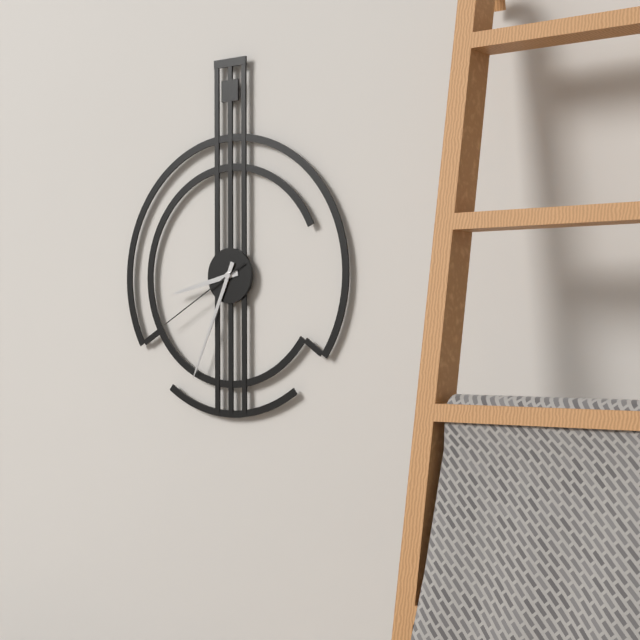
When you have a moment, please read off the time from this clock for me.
8:34:40
